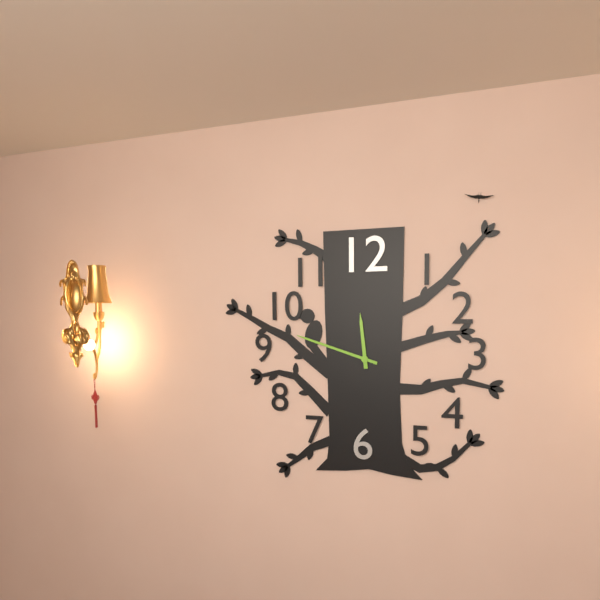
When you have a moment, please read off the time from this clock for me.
11:48
